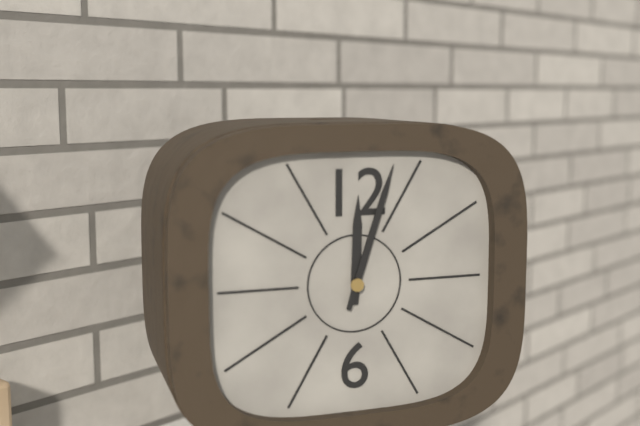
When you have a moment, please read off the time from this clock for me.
12:03
